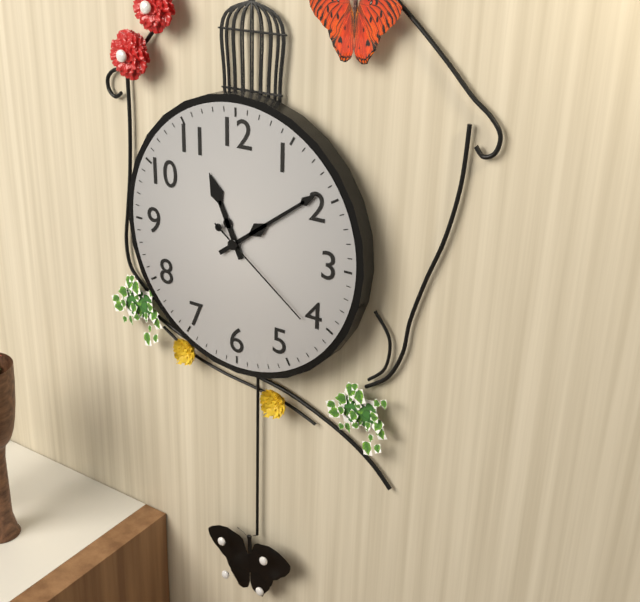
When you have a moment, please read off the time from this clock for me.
11:09:21
